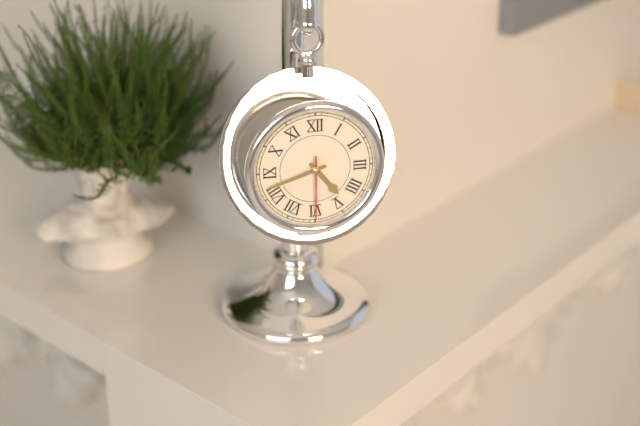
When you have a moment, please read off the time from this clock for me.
4:42:30
